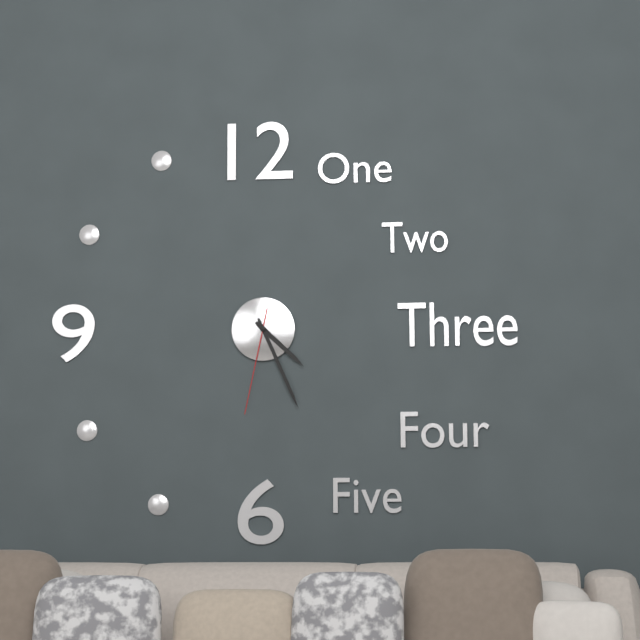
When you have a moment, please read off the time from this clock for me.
4:26:32
